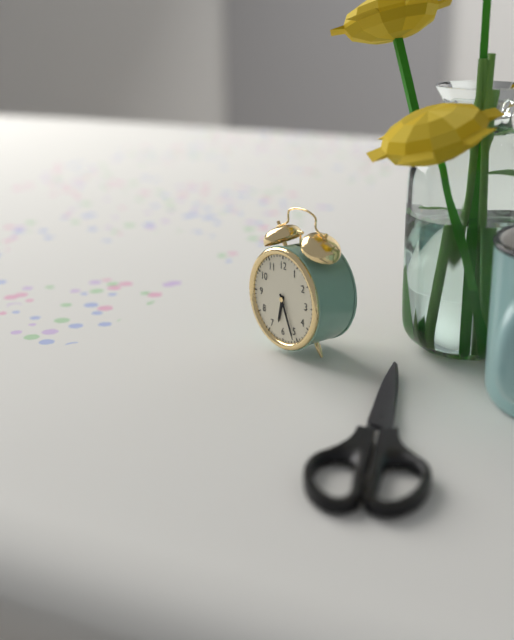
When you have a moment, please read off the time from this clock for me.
6:26
